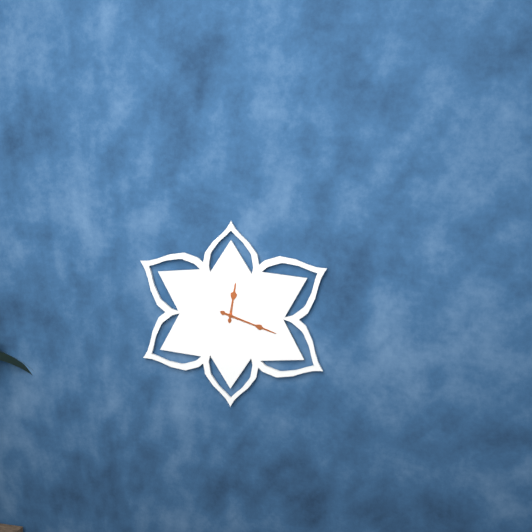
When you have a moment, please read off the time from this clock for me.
12:18
